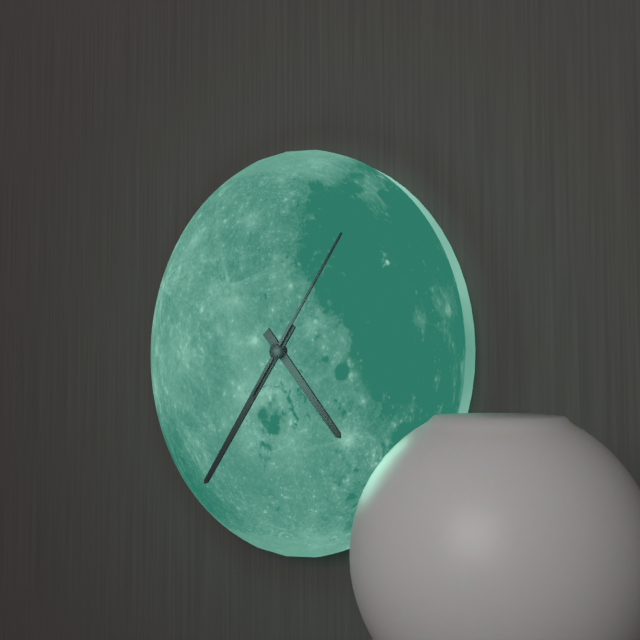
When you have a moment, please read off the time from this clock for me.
4:36:06
